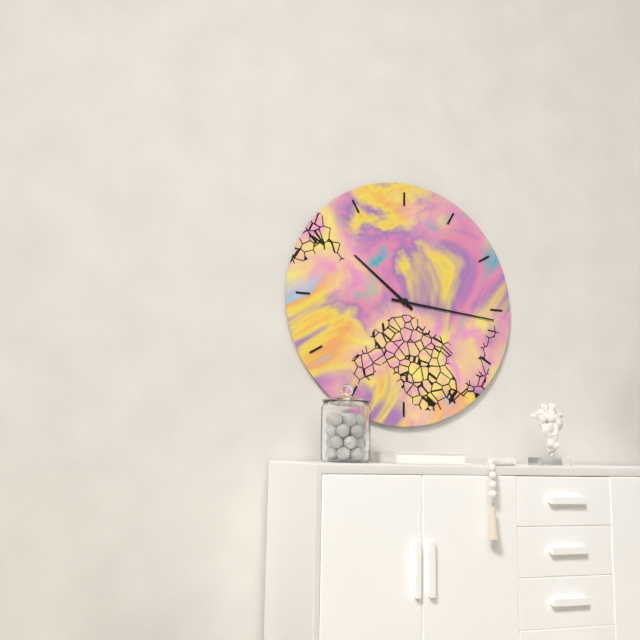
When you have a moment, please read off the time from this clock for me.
10:16
